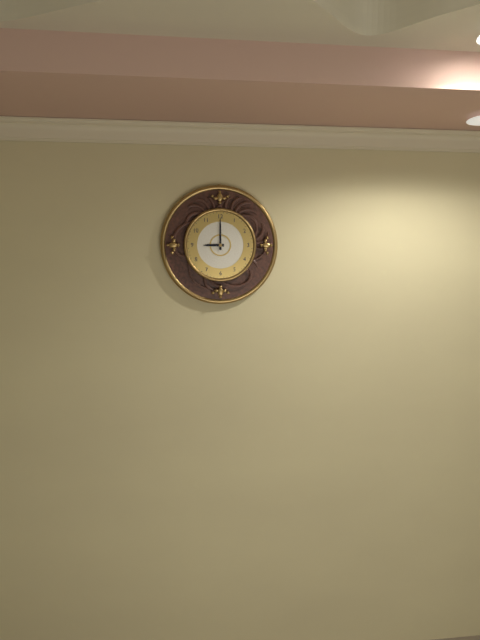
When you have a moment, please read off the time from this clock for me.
9:00
